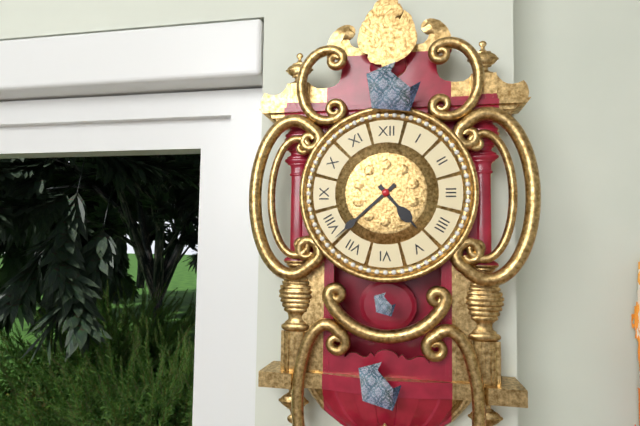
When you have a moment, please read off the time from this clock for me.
4:38
